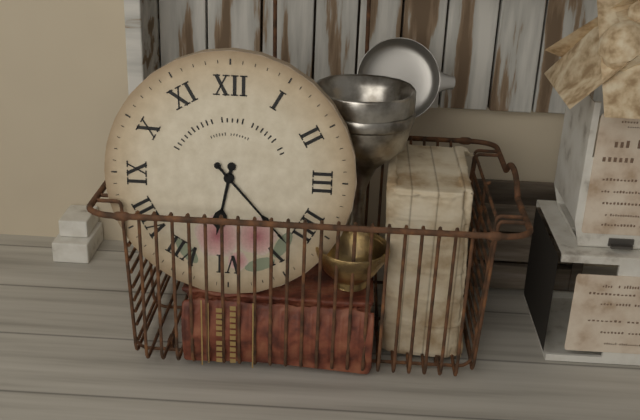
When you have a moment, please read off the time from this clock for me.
6:23
